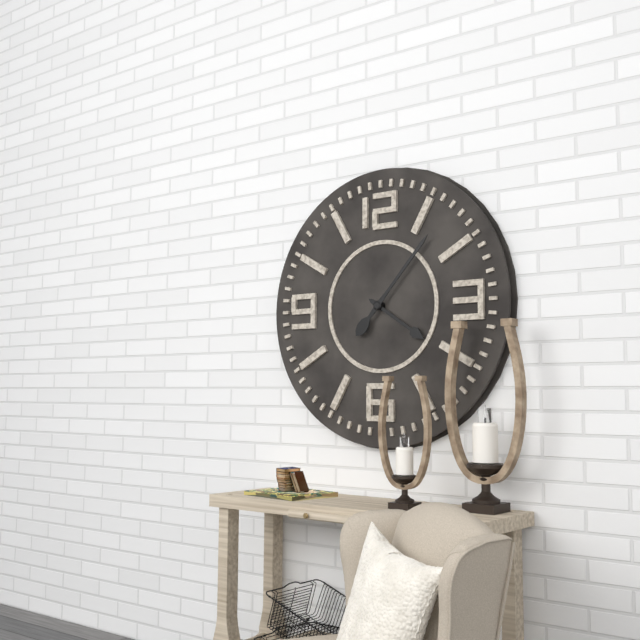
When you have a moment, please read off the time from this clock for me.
4:07
